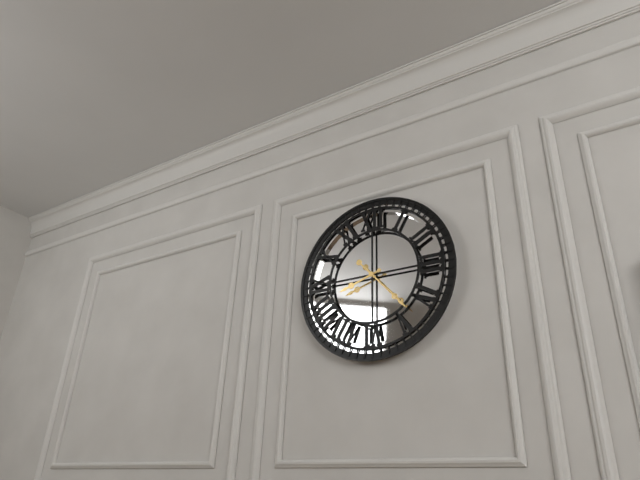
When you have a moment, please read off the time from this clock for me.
8:23
